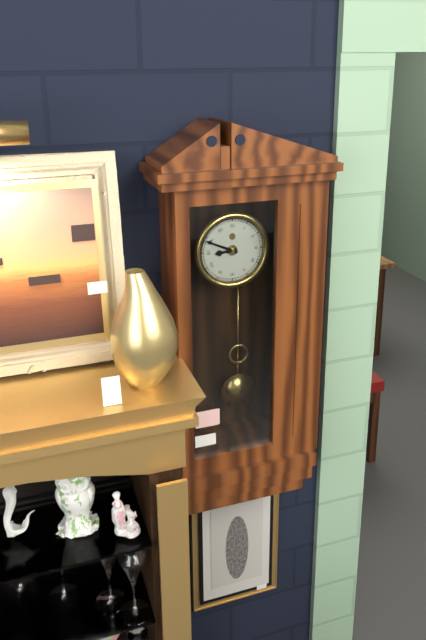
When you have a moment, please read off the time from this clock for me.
8:49
